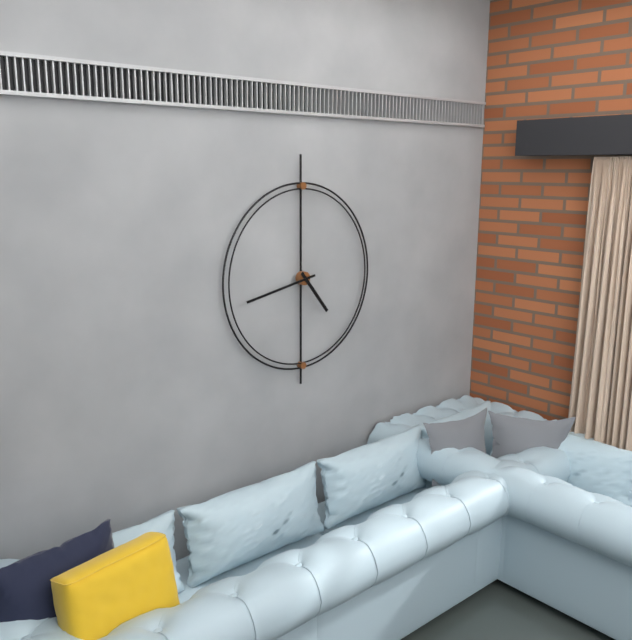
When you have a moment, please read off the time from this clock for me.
4:43
